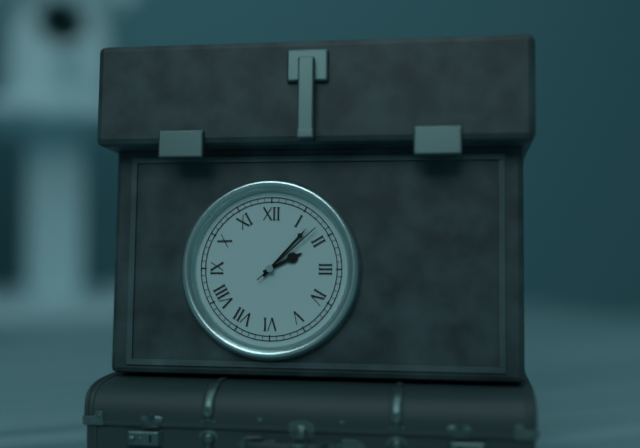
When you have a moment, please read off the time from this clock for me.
2:07:08
